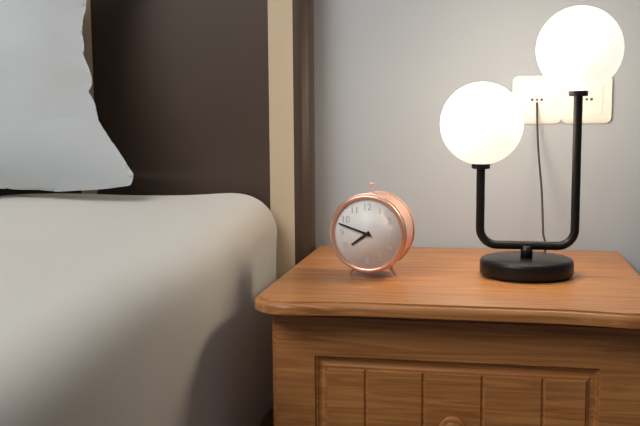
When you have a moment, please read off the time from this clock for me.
7:48
